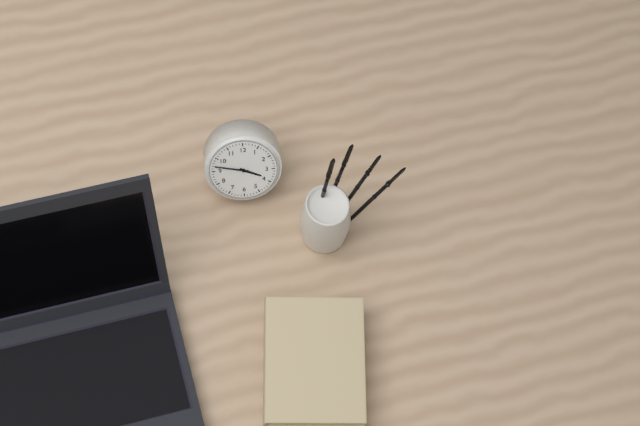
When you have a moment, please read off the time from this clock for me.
3:47
